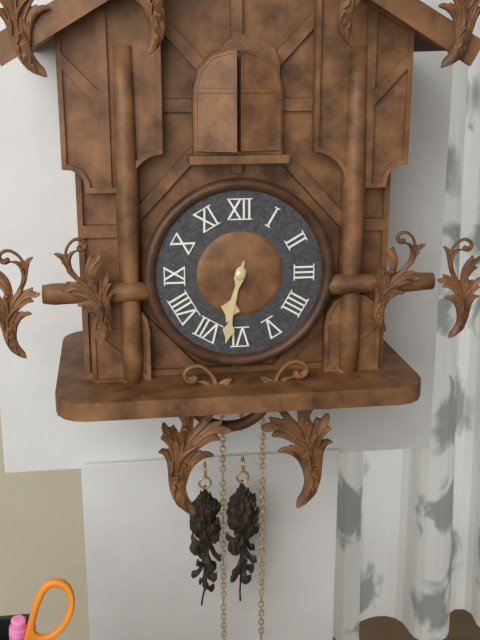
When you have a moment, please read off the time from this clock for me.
6:32
